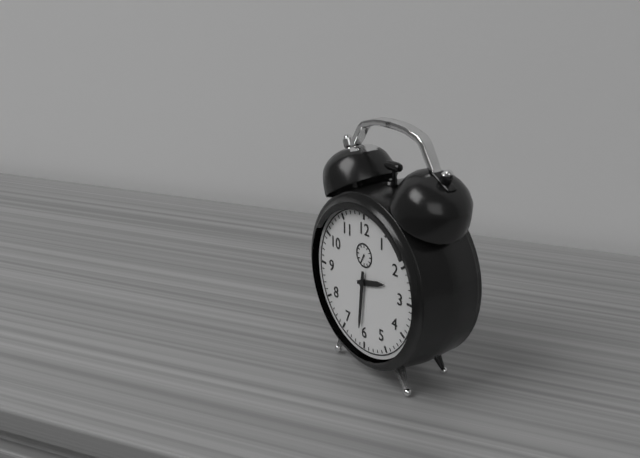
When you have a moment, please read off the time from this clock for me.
2:31
